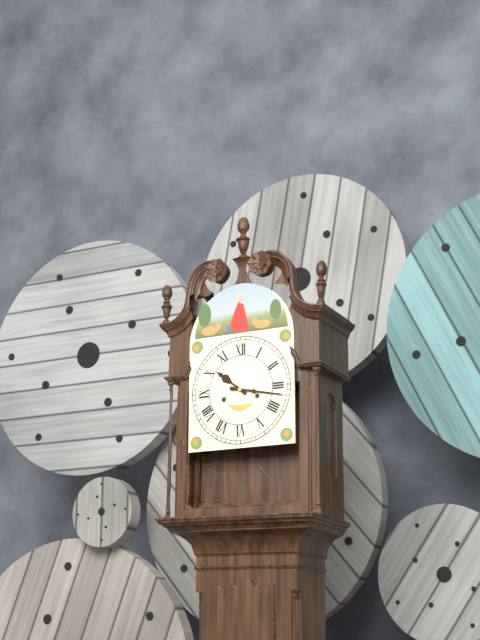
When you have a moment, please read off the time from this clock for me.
10:17
